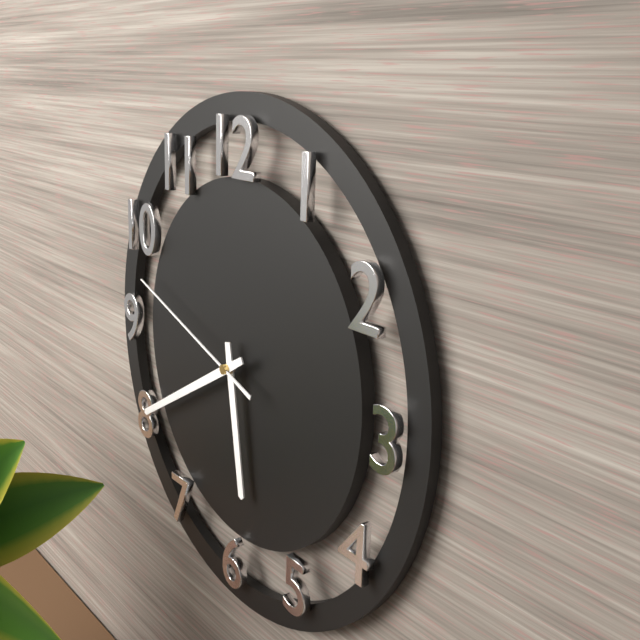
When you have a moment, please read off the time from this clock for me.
5:40:48
